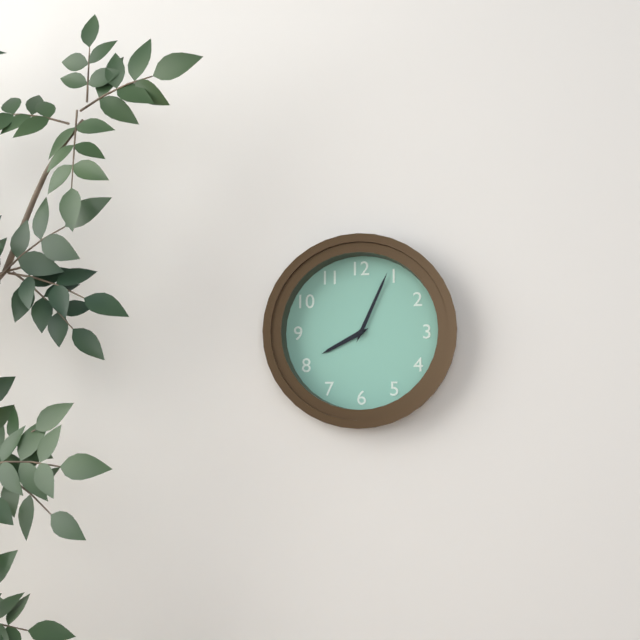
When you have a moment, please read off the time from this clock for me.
8:04
